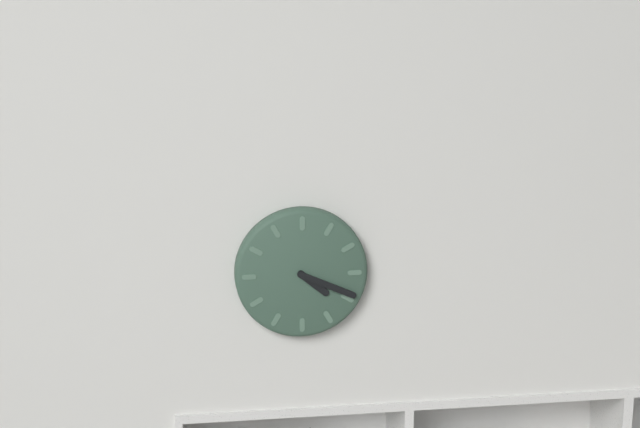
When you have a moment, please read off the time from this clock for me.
4:19
